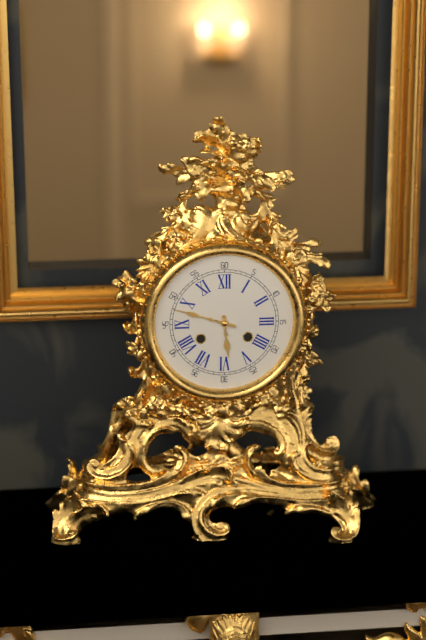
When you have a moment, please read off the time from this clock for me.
5:48
